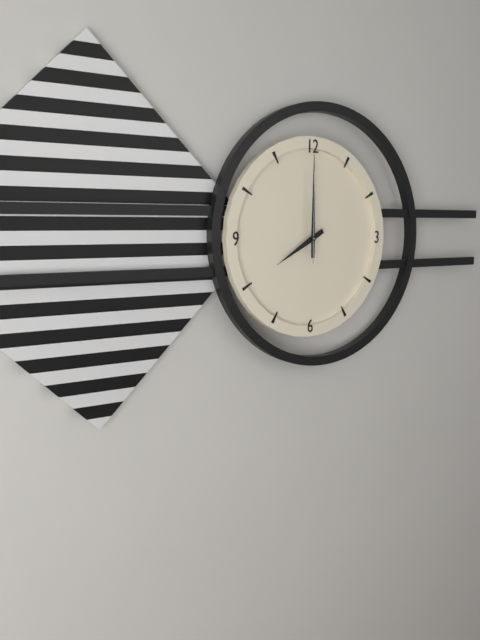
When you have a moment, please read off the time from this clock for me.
8:00:00
